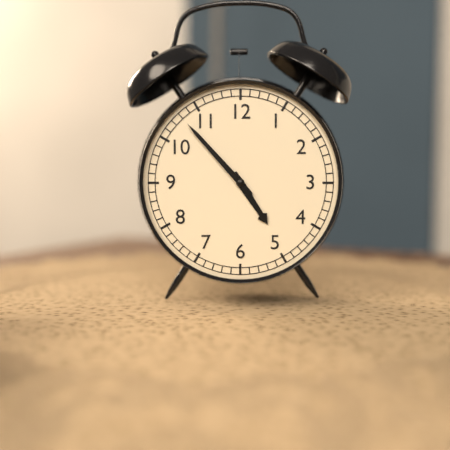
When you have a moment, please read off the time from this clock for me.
4:53
